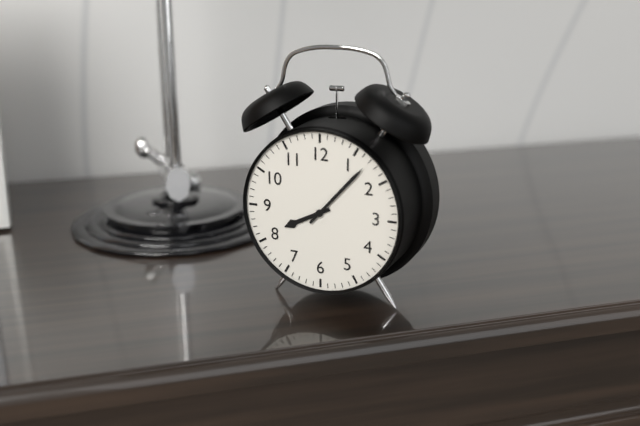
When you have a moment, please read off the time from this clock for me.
8:07
